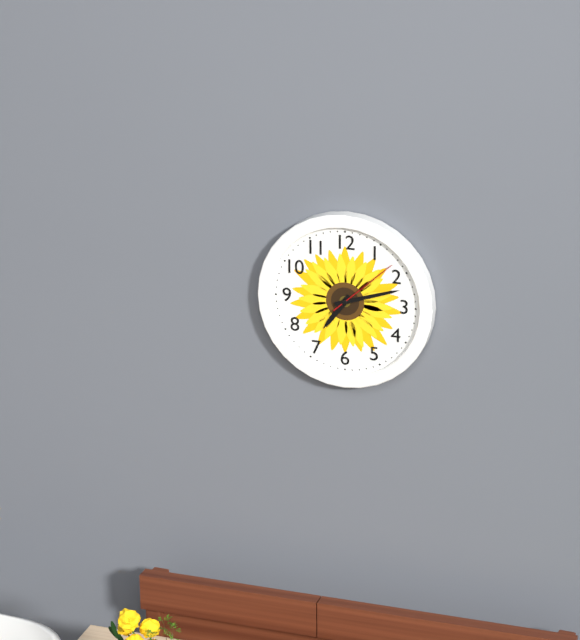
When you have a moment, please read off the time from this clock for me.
7:12:08
